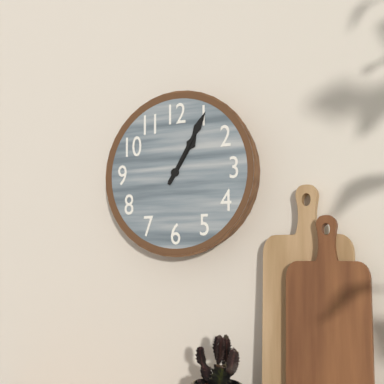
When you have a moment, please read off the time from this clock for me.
1:05
